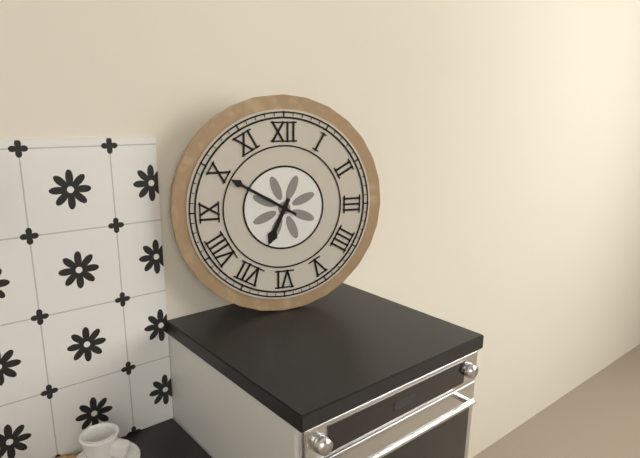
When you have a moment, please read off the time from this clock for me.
6:50
